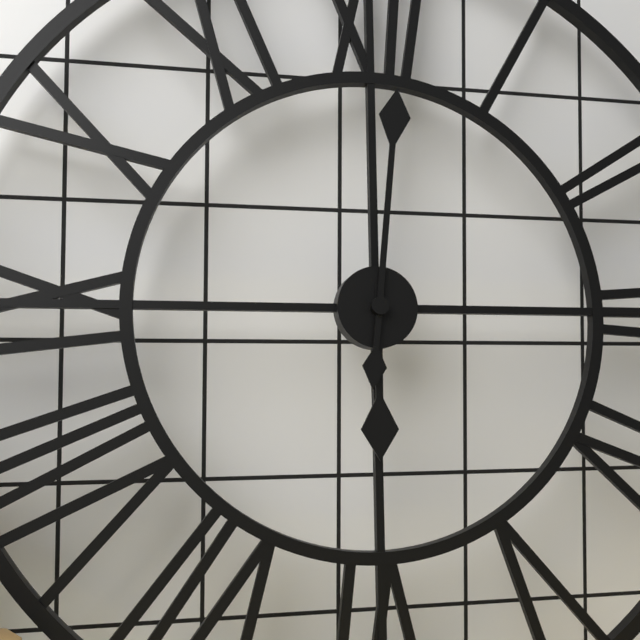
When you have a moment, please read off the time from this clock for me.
6:01
